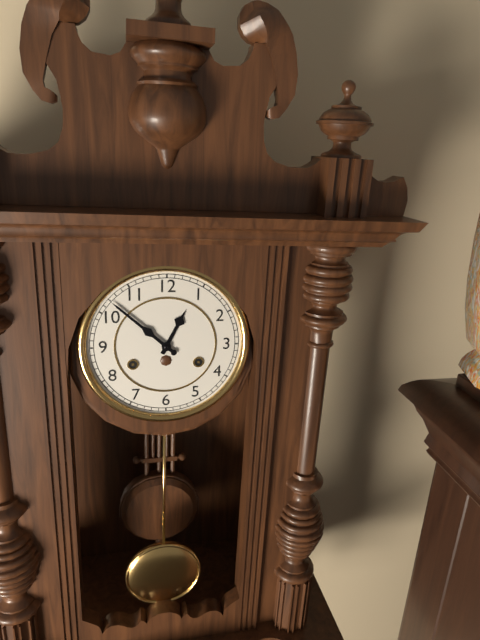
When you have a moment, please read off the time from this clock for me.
12:52
